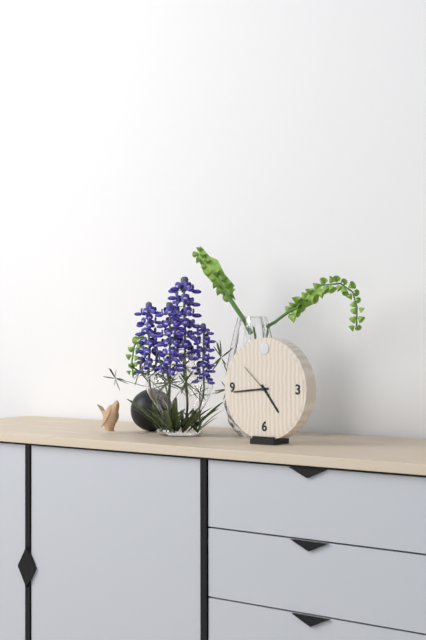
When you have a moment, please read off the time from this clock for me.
4:44
